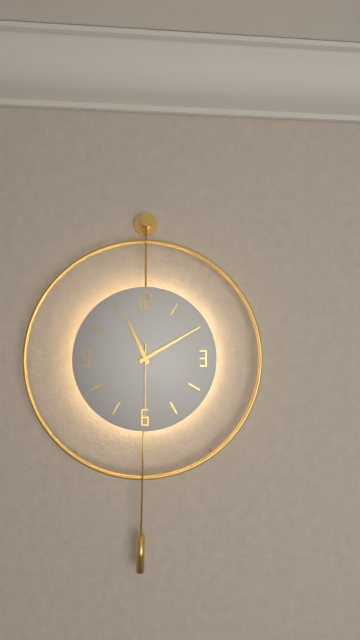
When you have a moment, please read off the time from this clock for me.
11:10:30
